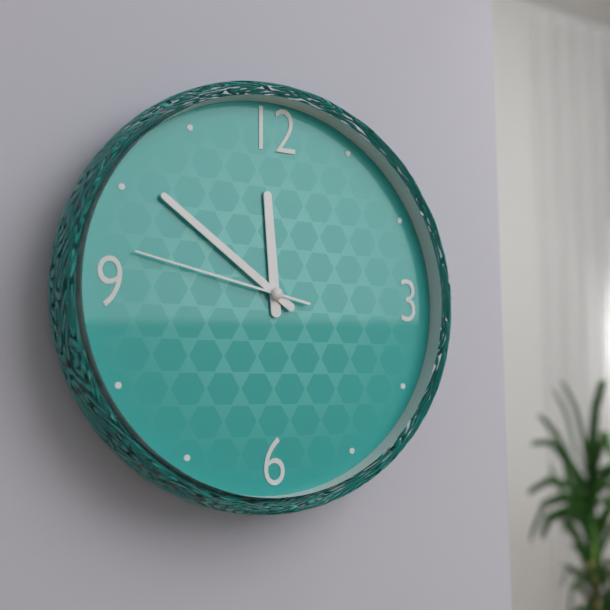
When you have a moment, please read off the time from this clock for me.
11:51:47
